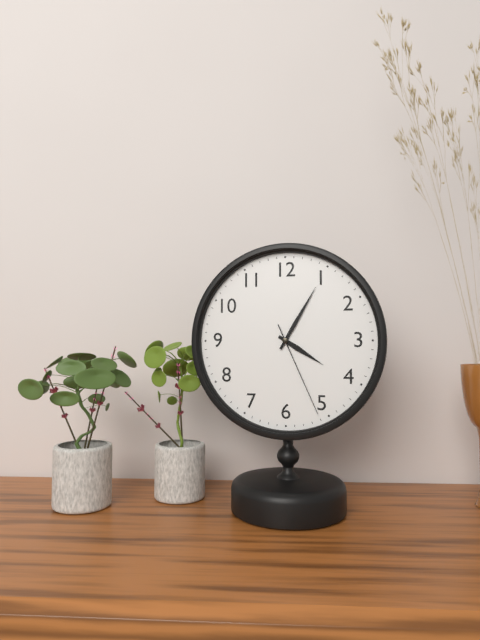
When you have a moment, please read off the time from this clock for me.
4:05:26
